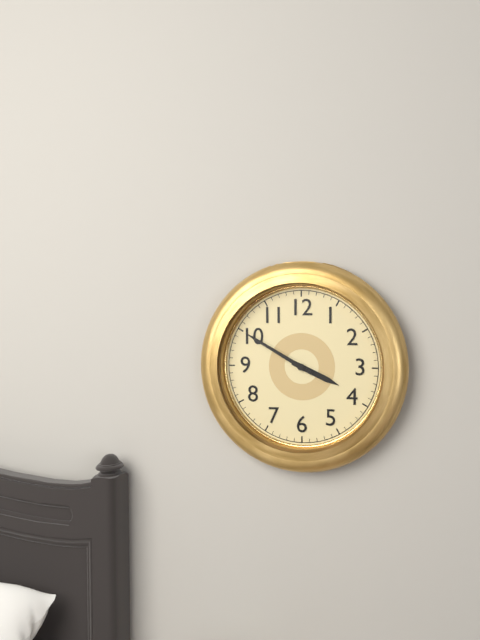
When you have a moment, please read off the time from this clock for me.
3:50
